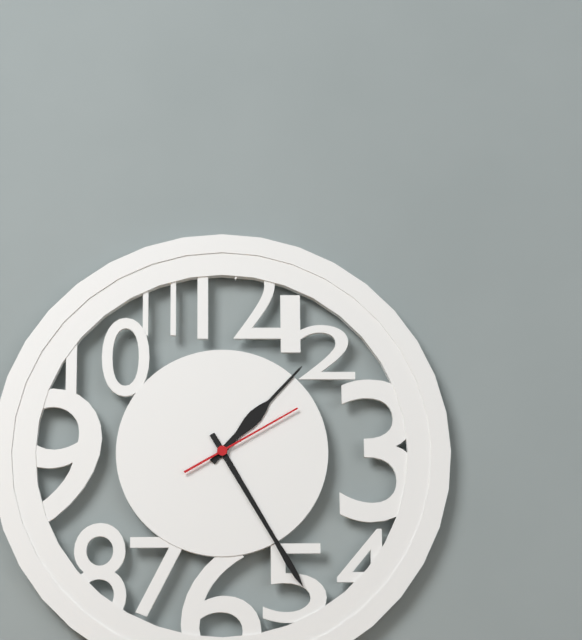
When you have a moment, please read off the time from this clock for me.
1:25:10
